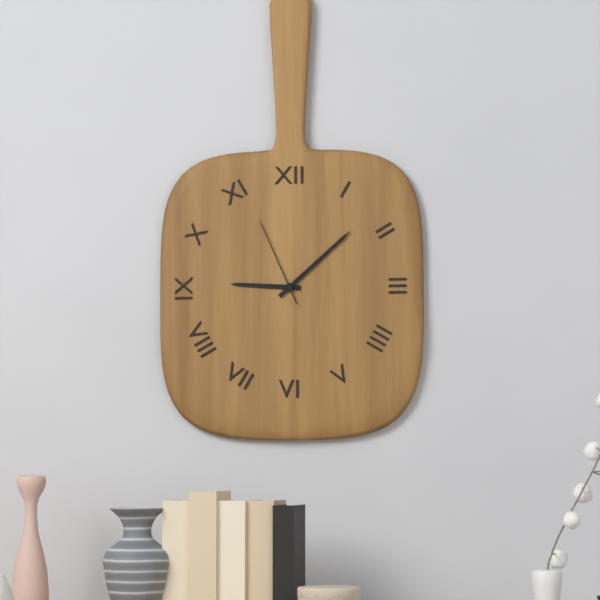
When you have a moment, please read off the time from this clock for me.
9:08:56
